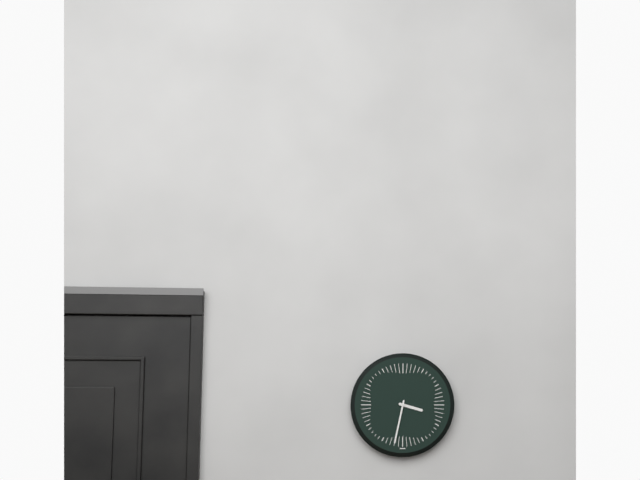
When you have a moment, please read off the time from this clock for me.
3:32
